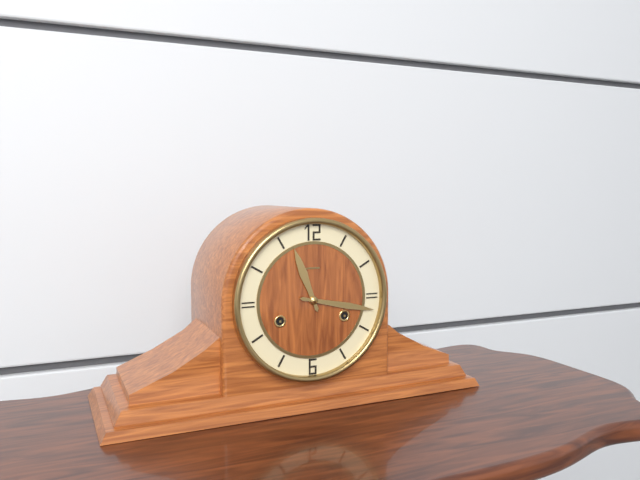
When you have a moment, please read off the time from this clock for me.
11:17
